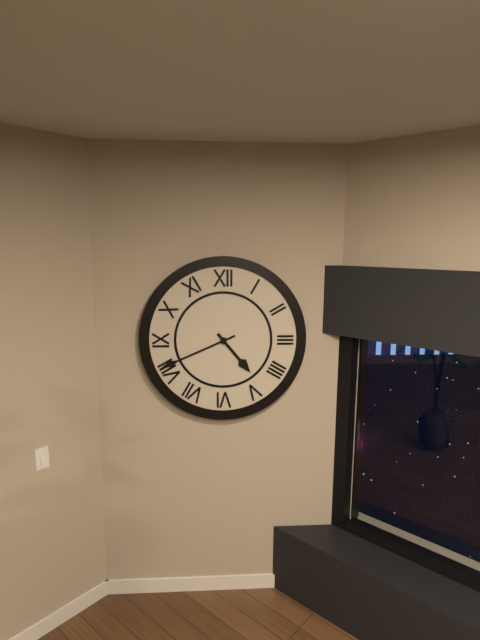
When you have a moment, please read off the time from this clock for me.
4:41
